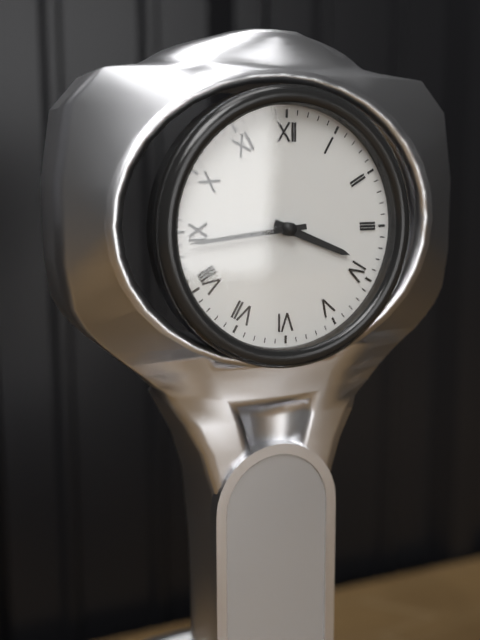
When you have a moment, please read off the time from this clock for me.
3:44
